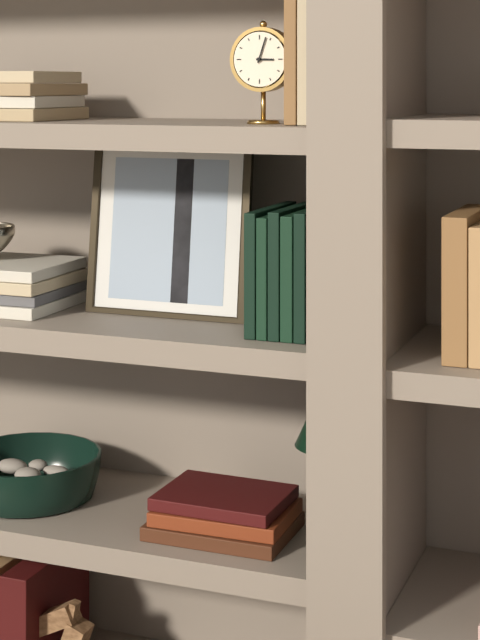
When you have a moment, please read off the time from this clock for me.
3:03
